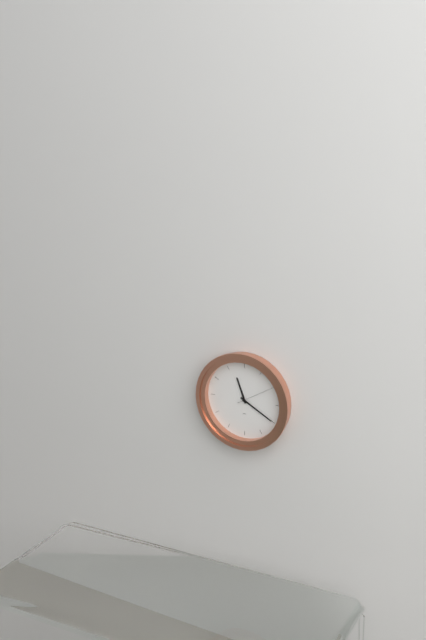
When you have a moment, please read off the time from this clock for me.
11:20
